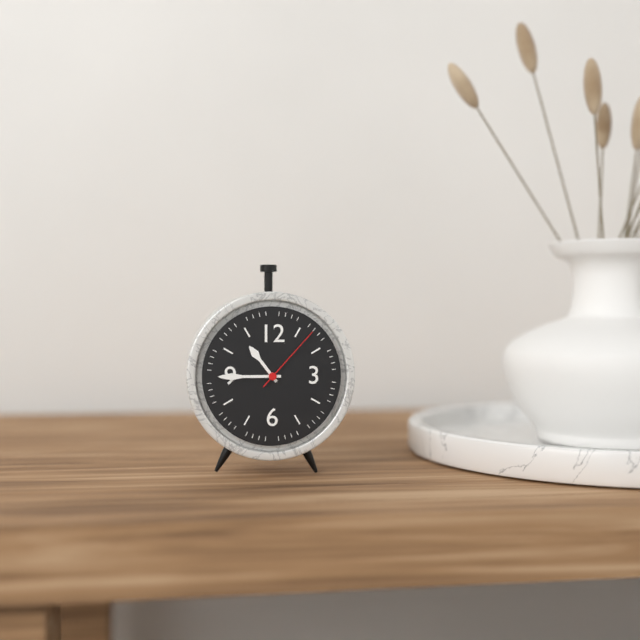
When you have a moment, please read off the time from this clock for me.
10:45:07
